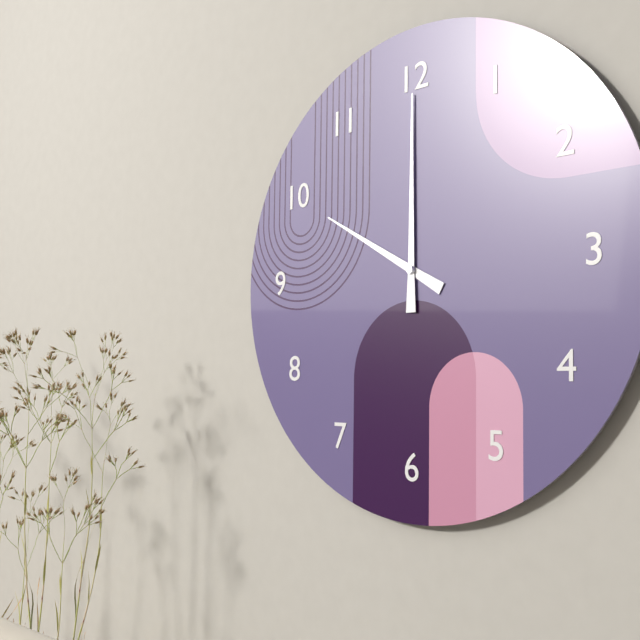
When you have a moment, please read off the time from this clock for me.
10:00
